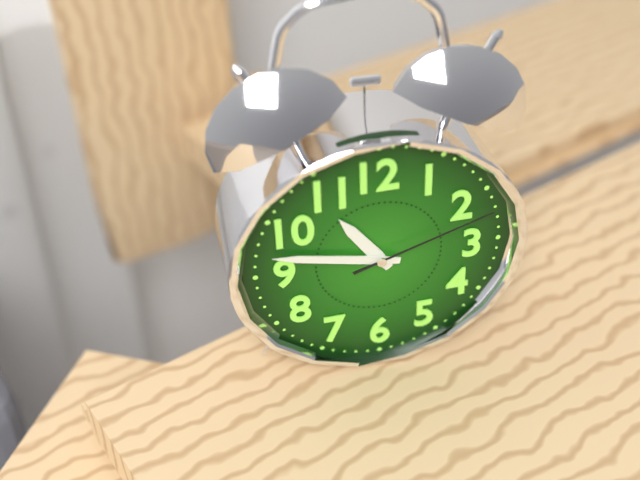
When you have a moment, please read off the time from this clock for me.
10:47:12
